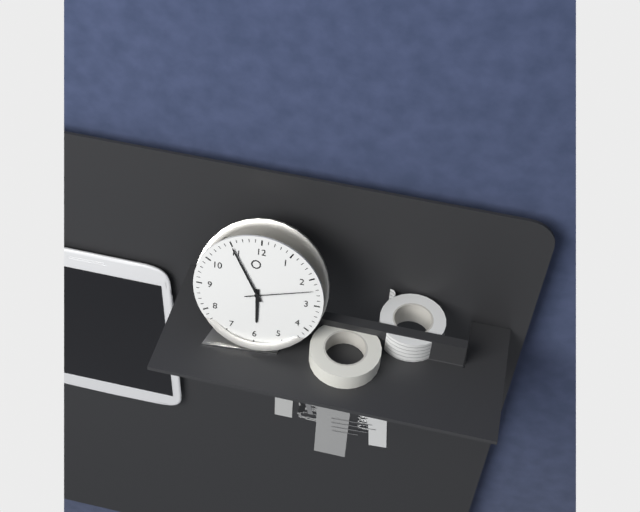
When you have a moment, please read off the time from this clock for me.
5:55:12
